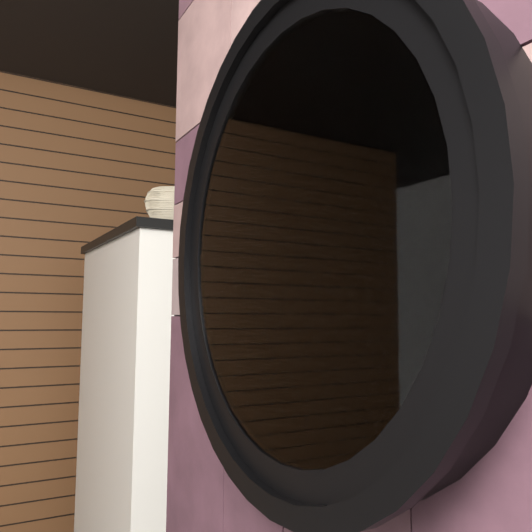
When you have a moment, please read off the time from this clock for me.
3:31
